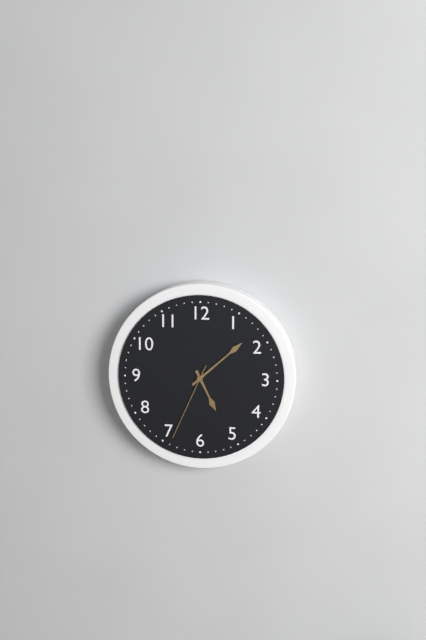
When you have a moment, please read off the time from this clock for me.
5:08:34
